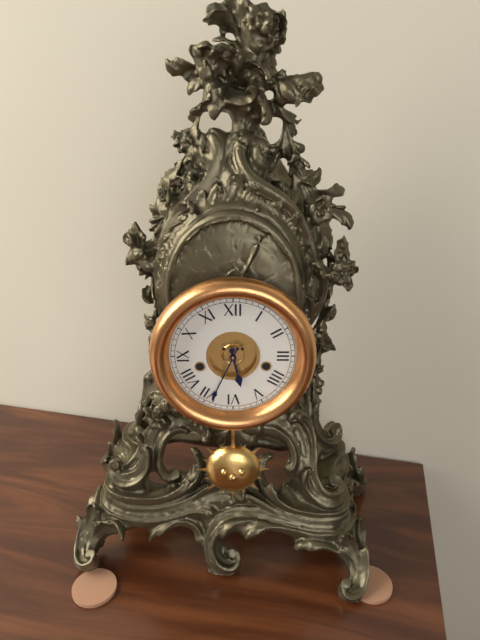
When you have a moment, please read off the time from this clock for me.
5:34
